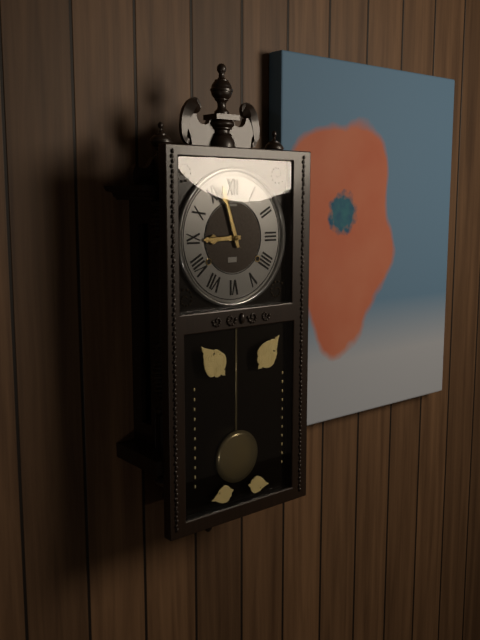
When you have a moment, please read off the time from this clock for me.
8:57
